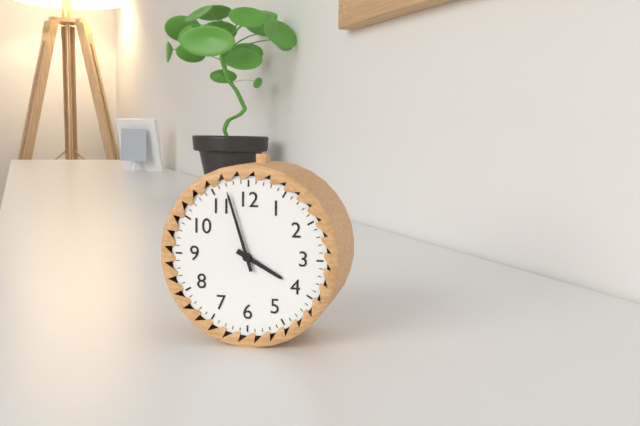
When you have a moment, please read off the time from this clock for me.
3:57
